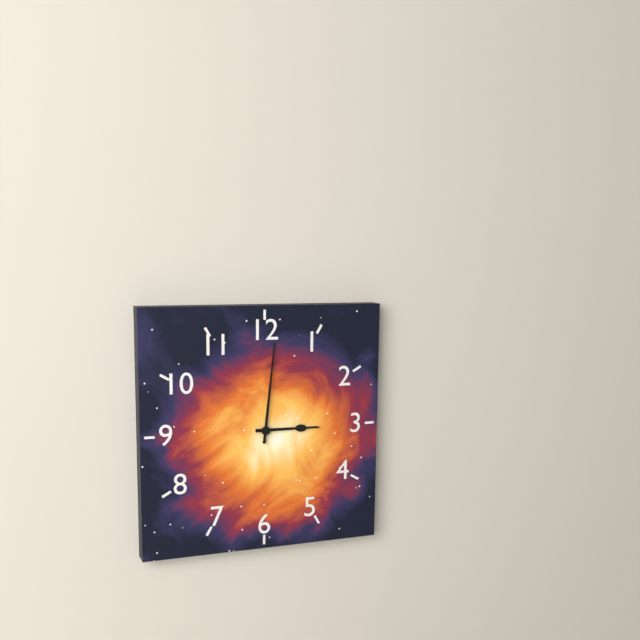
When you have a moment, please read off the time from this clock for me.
3:01
